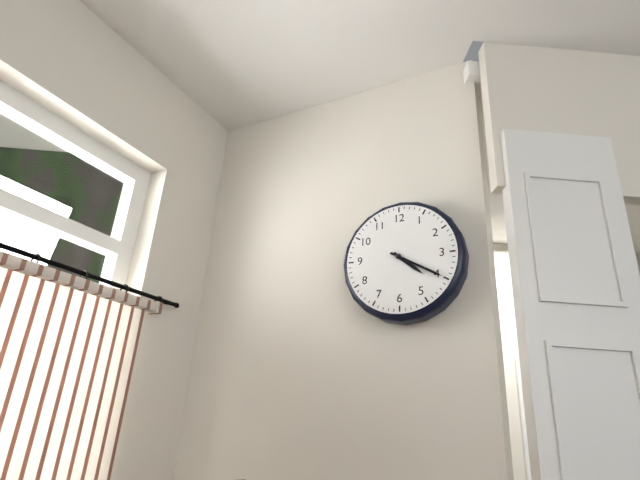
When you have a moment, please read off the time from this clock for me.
4:20
